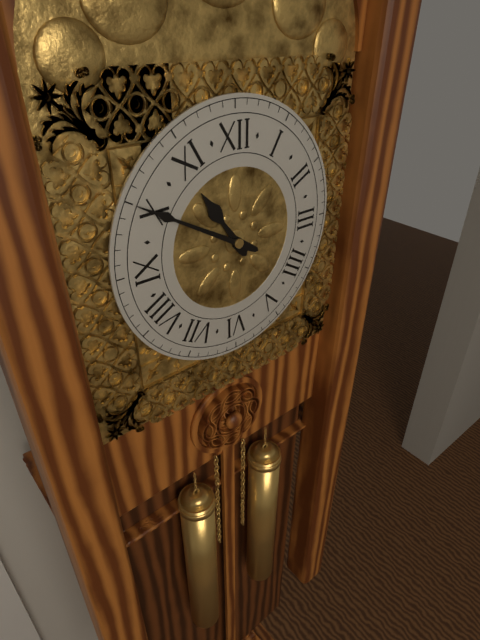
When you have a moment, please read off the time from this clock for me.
10:50
